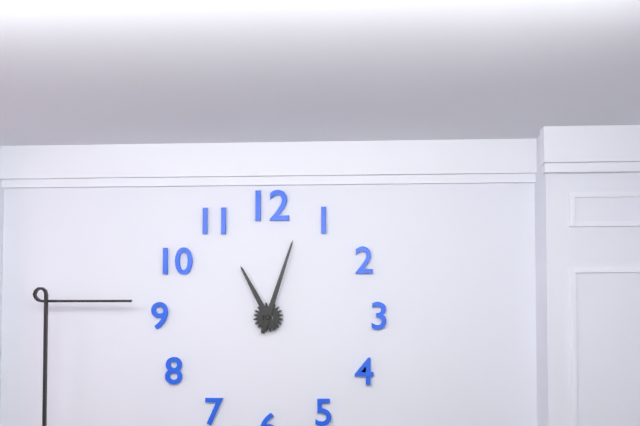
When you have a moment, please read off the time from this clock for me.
11:03
